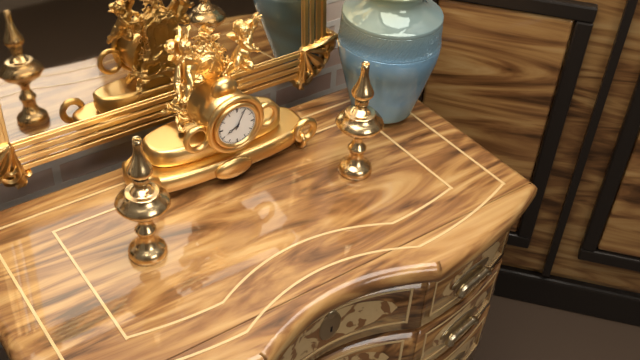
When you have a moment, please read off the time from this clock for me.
8:04
